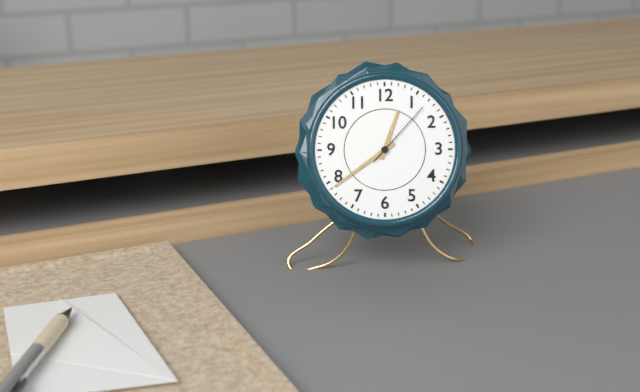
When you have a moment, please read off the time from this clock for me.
12:39:07
